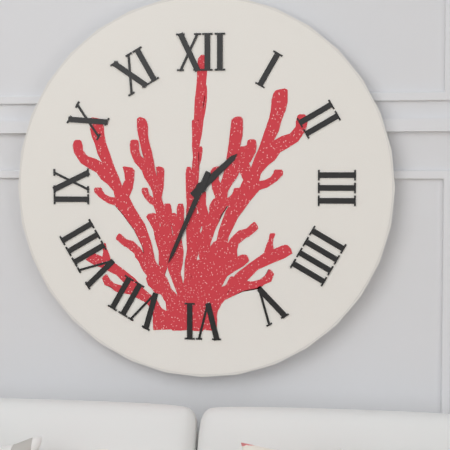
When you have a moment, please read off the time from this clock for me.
1:34
